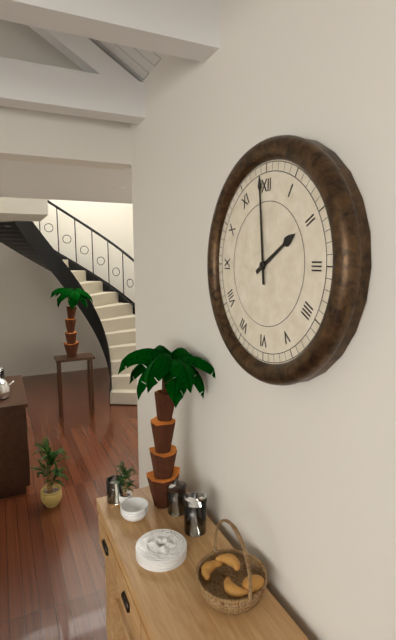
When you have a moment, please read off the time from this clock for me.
1:59
